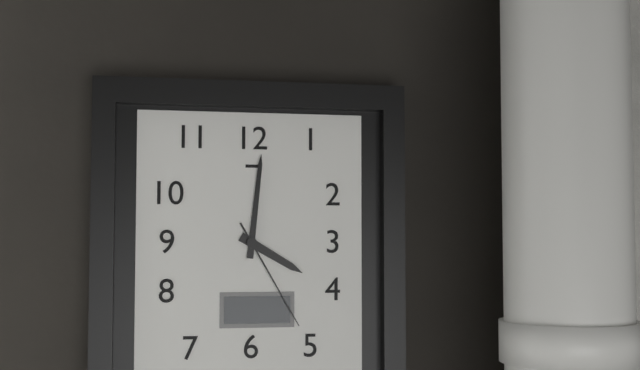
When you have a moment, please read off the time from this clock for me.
4:01:25
